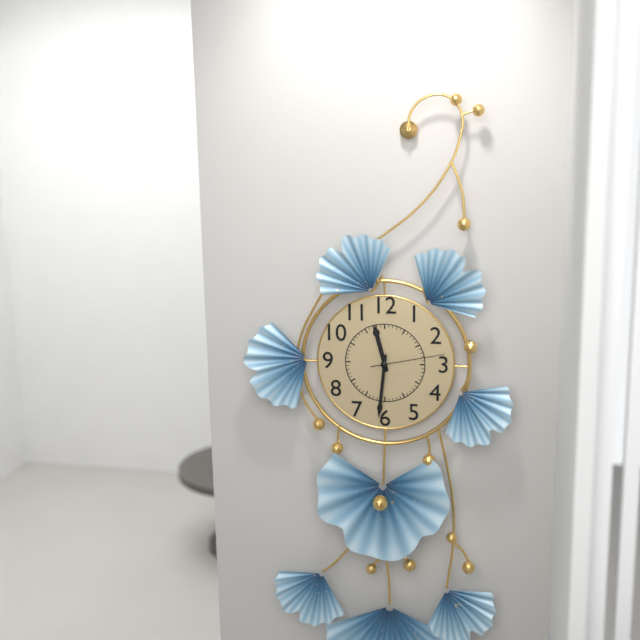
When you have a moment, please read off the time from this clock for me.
11:31:13
